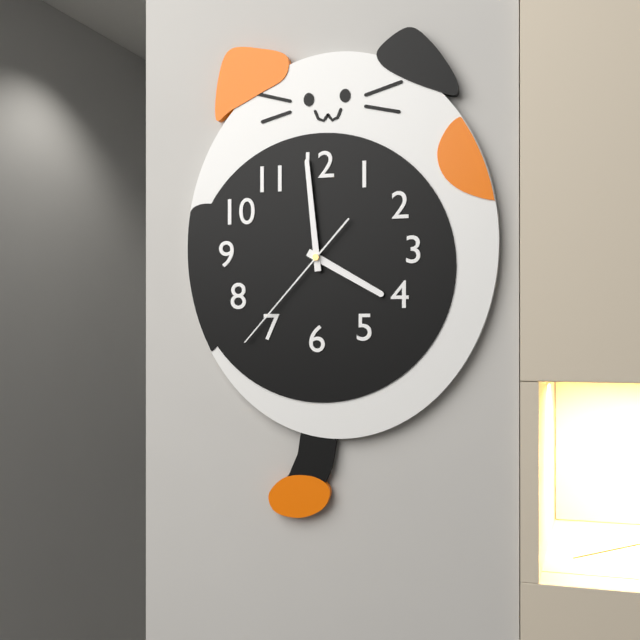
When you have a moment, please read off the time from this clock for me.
3:59:37
